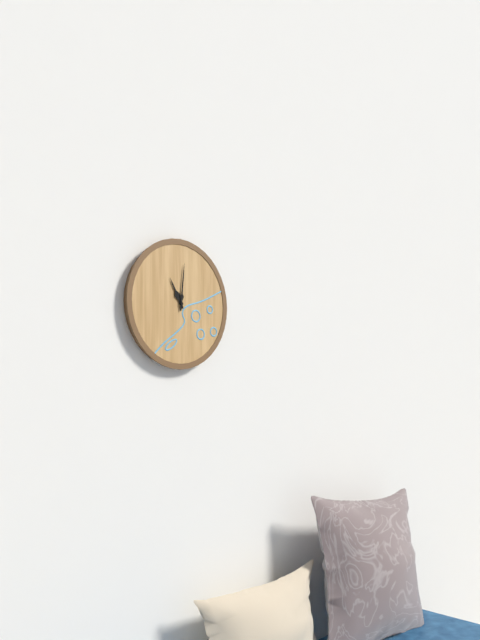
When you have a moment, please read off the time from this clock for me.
11:01
